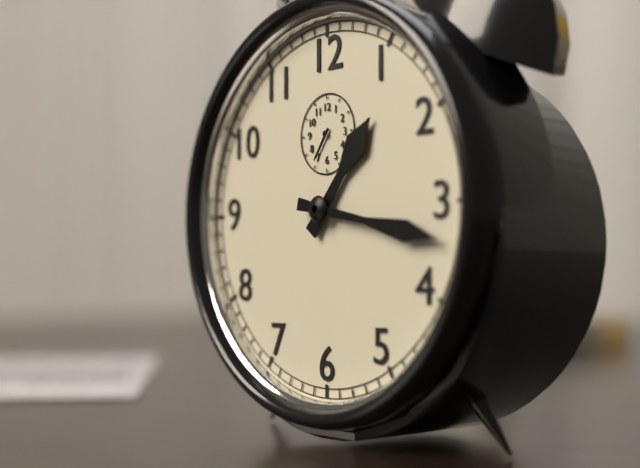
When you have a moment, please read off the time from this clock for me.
1:17
